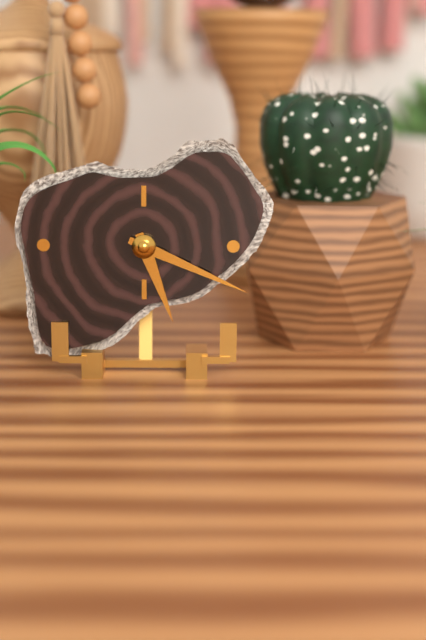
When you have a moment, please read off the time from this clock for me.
5:19
